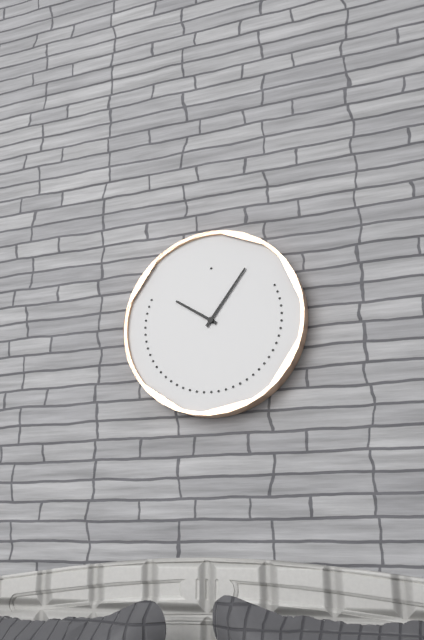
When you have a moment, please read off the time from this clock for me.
10:06
